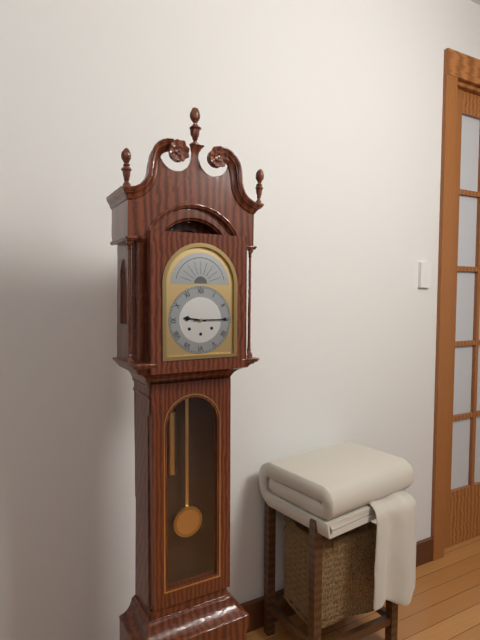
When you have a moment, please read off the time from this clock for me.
9:15
